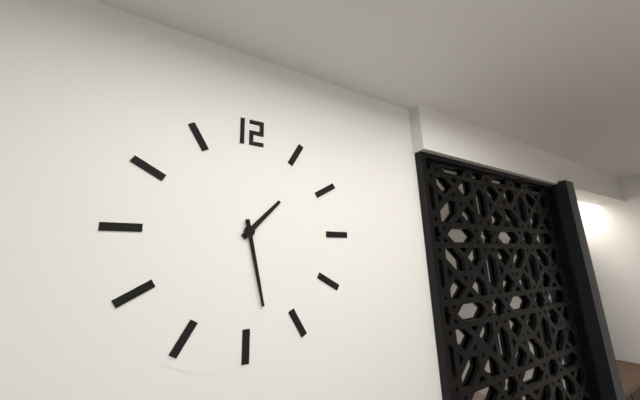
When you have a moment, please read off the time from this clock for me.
1:28
